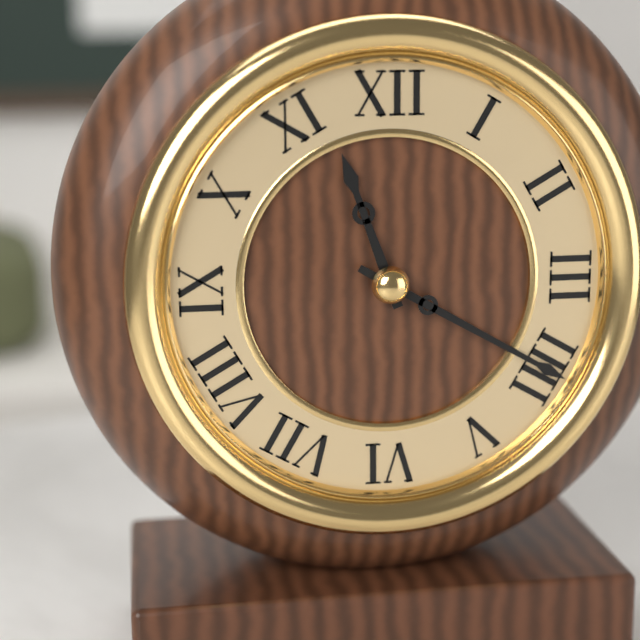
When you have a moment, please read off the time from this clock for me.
11:20
